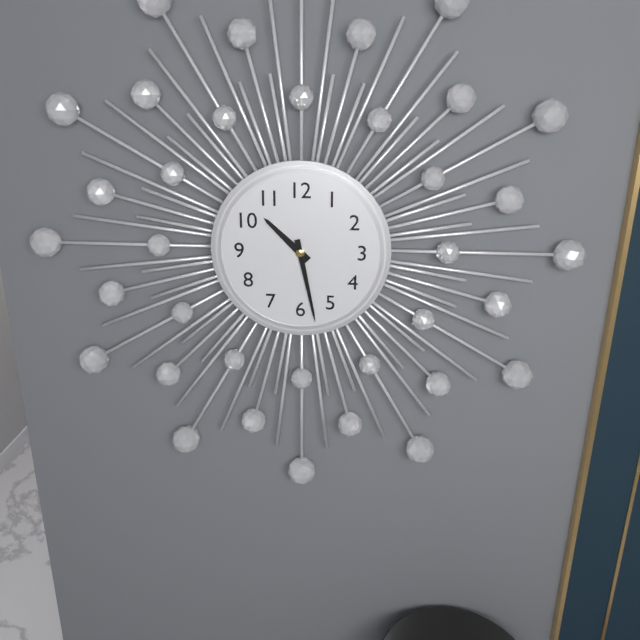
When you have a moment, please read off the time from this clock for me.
10:28
